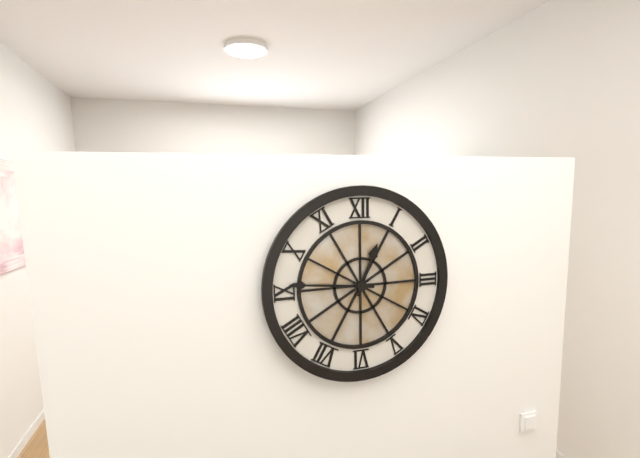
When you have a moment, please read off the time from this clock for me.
12:46
